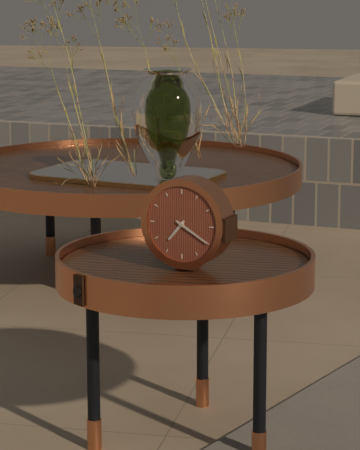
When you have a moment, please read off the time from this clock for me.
7:20
